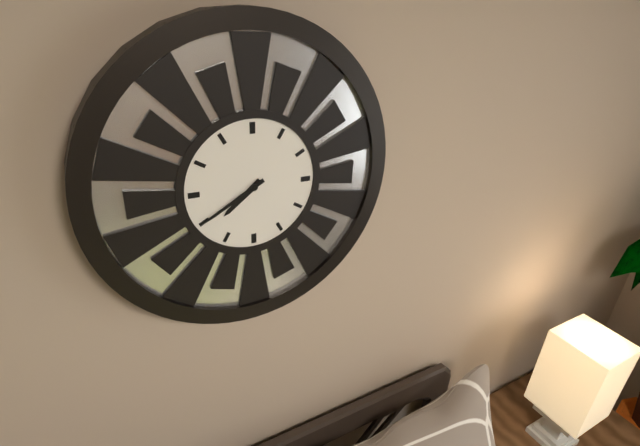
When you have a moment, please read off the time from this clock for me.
7:40
